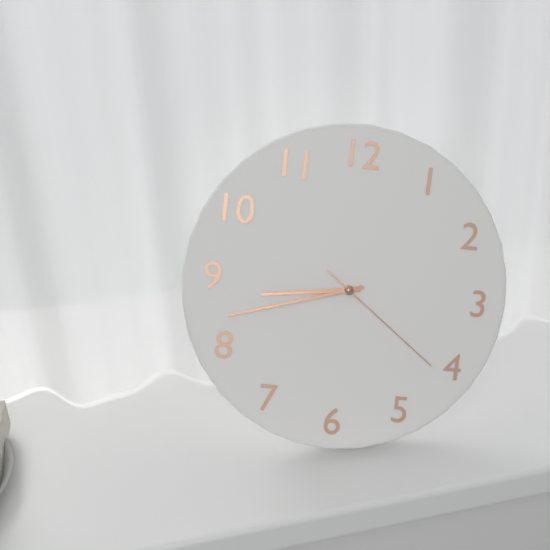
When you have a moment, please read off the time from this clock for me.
8:42:21
